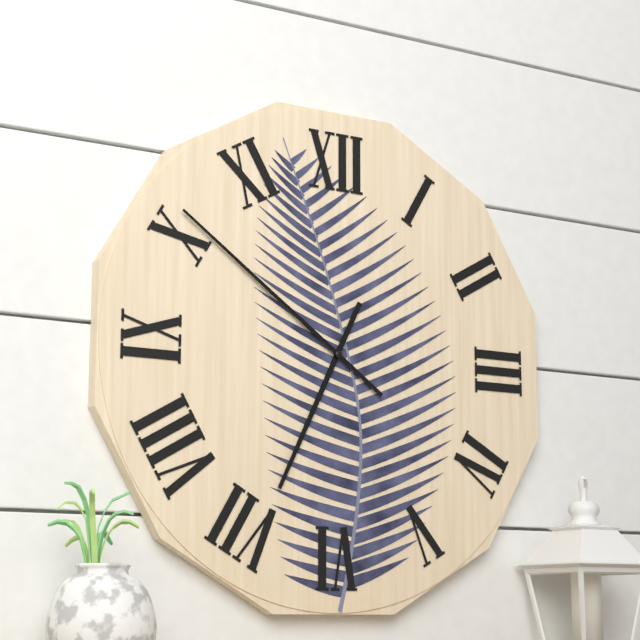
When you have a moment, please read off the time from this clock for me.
6:51
